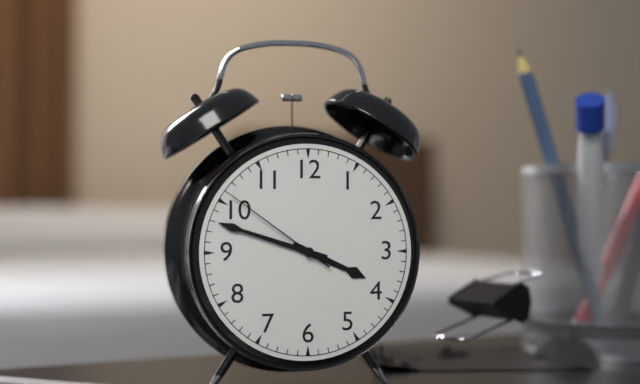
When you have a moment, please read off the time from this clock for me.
3:48:51
